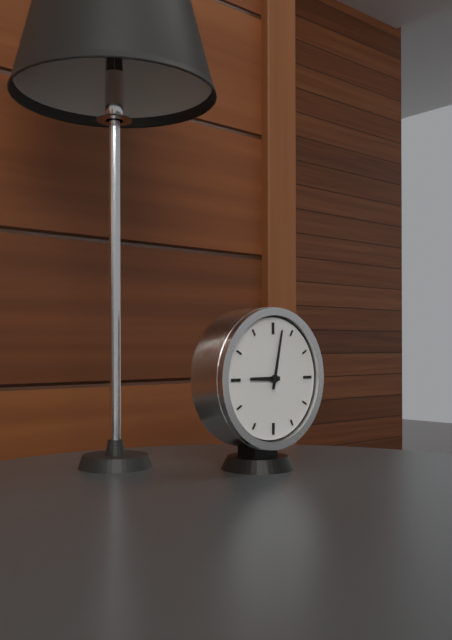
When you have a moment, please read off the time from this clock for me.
9:02
